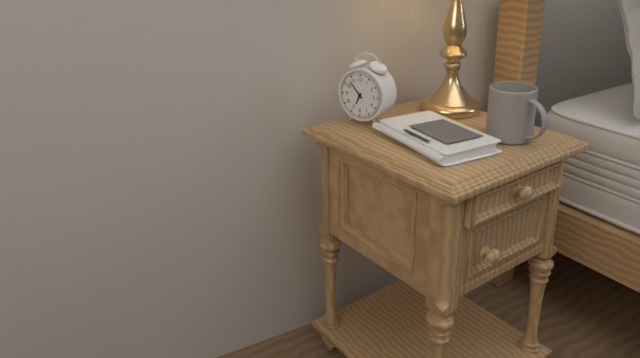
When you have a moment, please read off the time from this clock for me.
6:53
